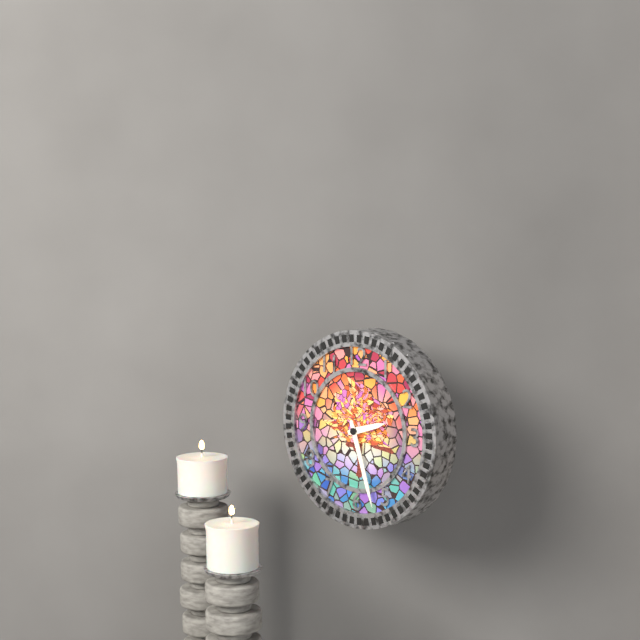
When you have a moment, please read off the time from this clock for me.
2:27
